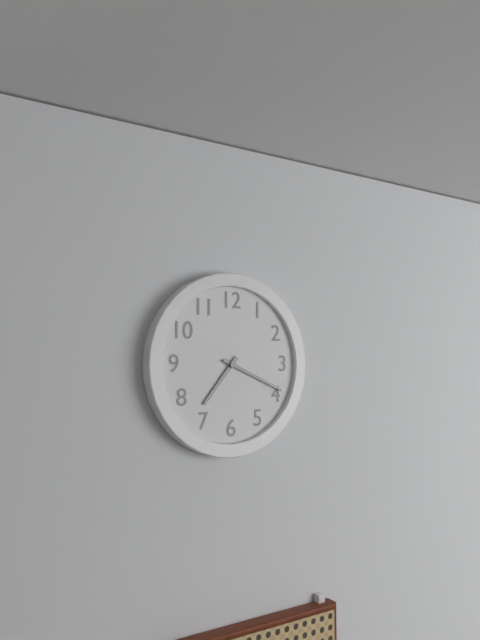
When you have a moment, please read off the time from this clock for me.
7:19
